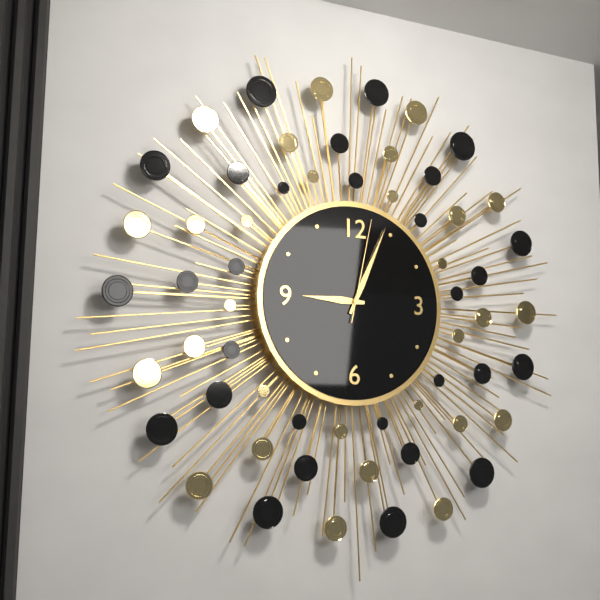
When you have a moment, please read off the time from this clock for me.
9:04:02
